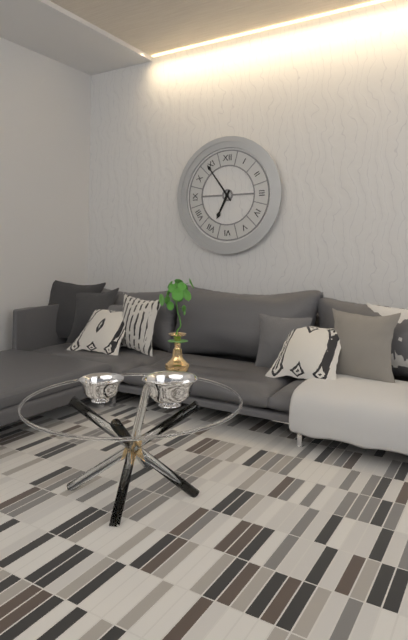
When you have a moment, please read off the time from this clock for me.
6:54
